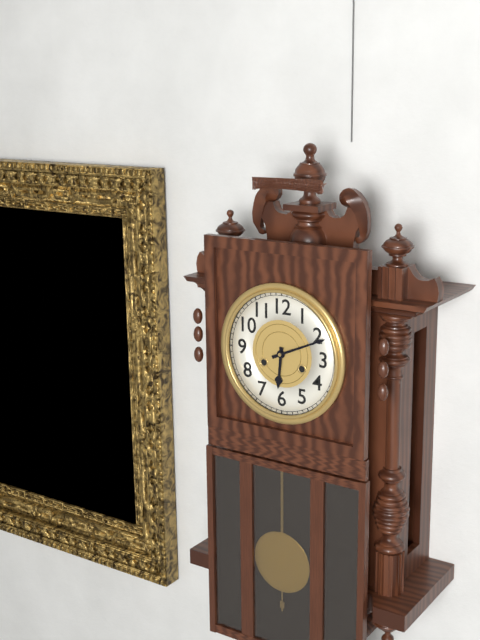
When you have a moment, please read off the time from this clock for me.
6:11
